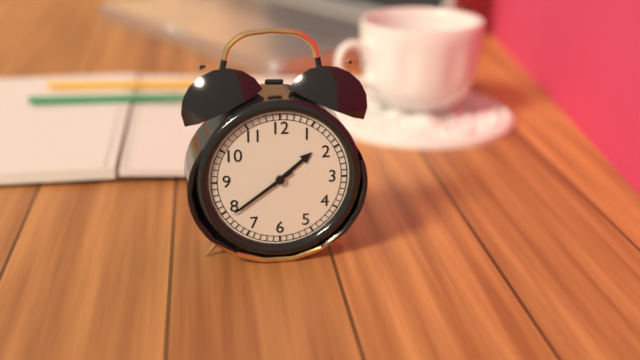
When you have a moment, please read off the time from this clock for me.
1:39
